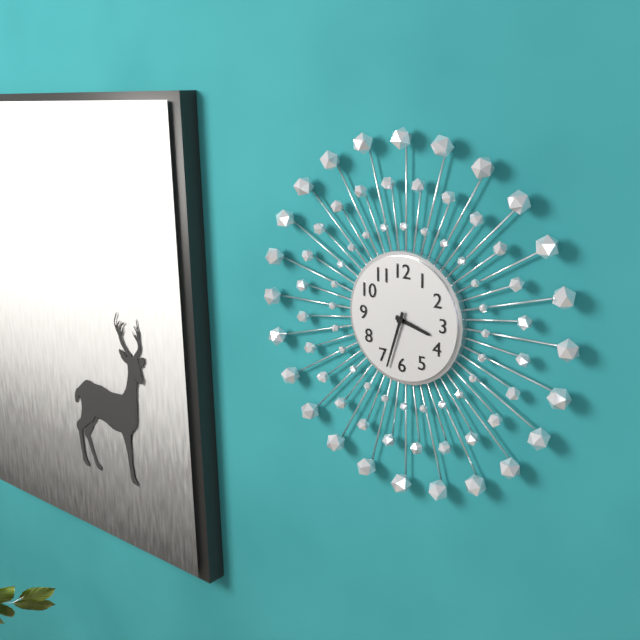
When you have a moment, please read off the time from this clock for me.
3:33
